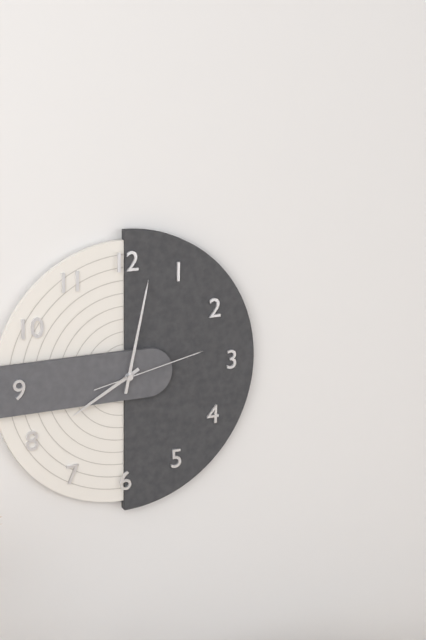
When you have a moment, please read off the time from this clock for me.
8:02:13
